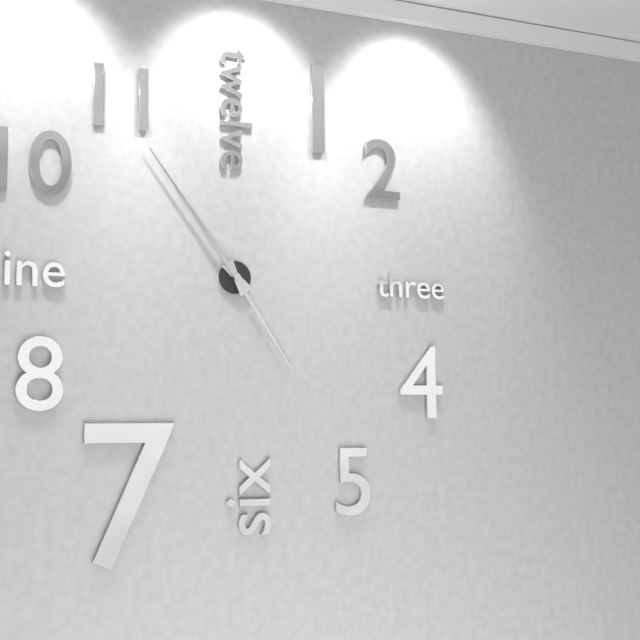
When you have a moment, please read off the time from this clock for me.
4:54
